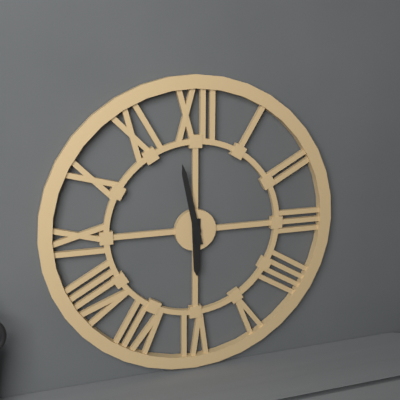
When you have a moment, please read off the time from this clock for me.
5:58
